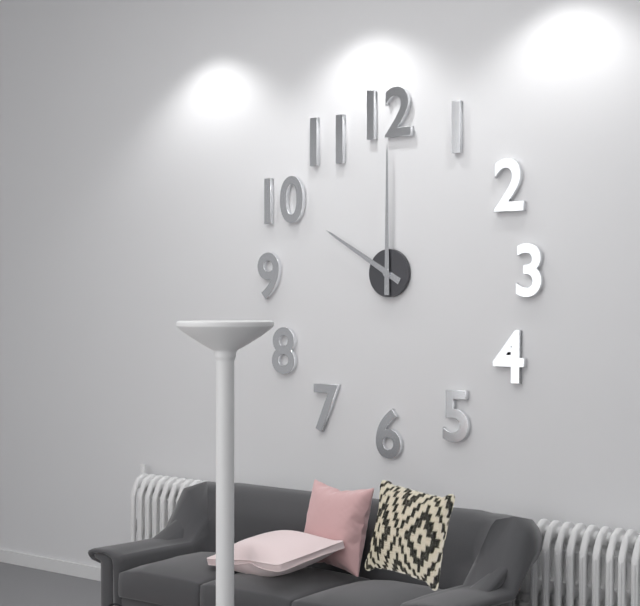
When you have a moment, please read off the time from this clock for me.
10:00
